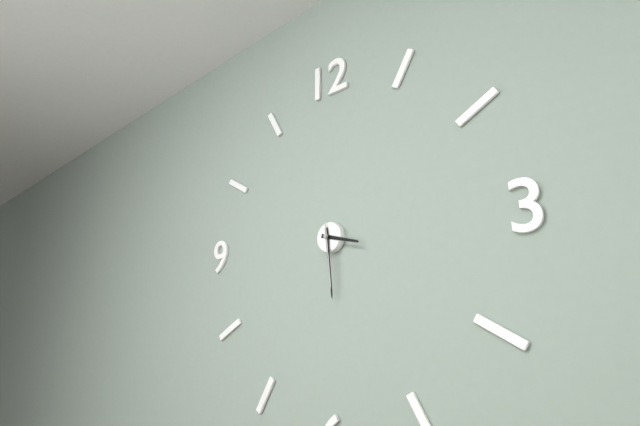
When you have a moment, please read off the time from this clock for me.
3:29:29
